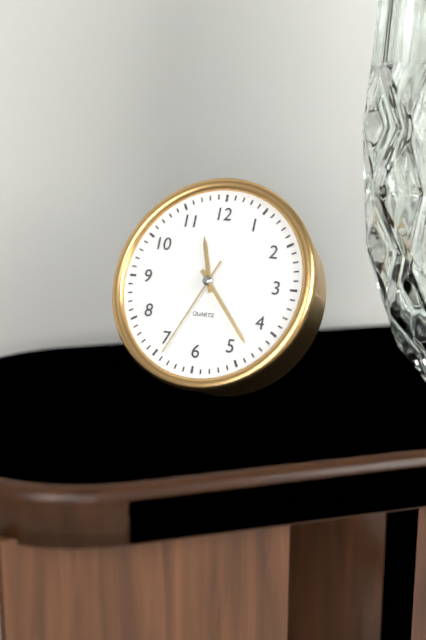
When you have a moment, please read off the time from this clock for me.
11:23:34
